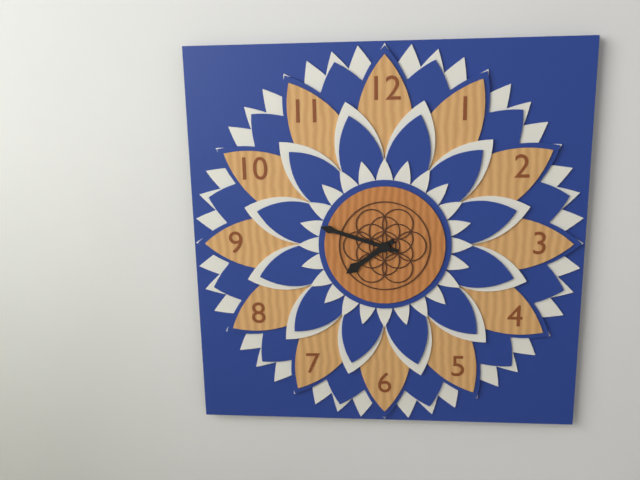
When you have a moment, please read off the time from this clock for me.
7:48
